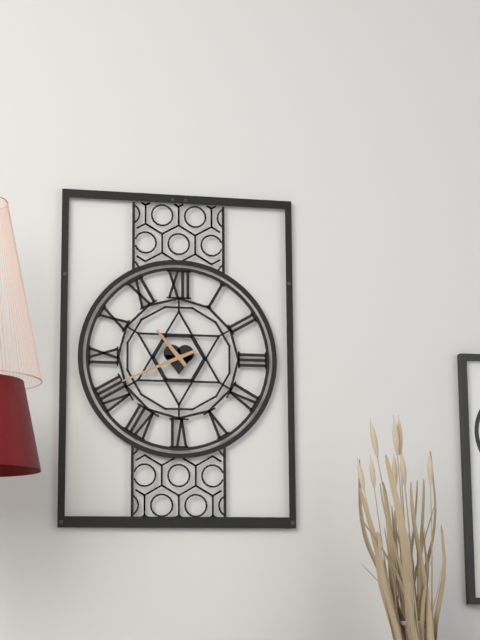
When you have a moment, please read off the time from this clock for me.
10:41
